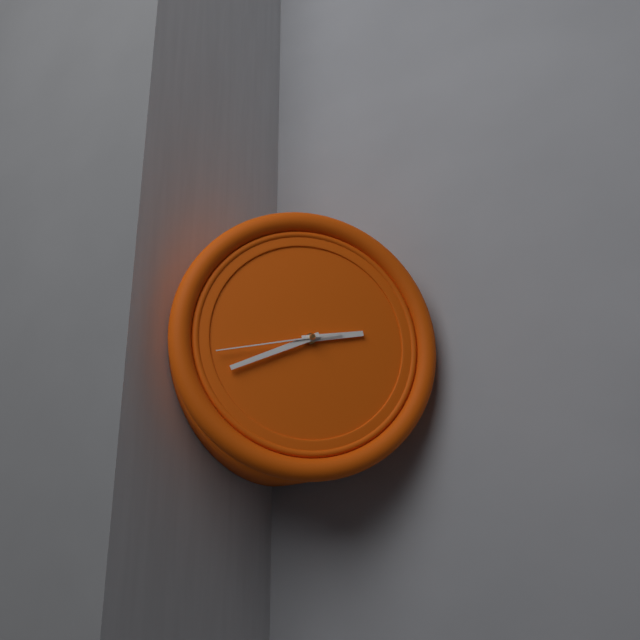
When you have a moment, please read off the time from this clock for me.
2:41:43
